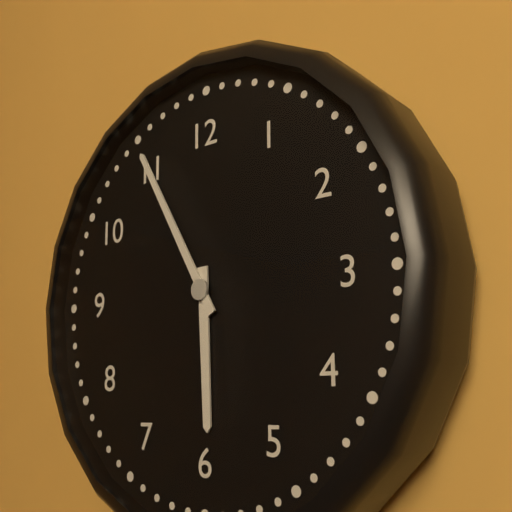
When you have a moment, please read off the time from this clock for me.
5:55
